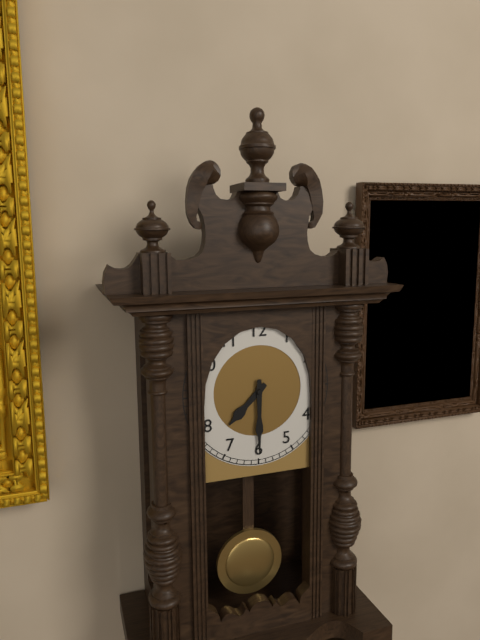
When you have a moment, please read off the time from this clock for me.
7:30
